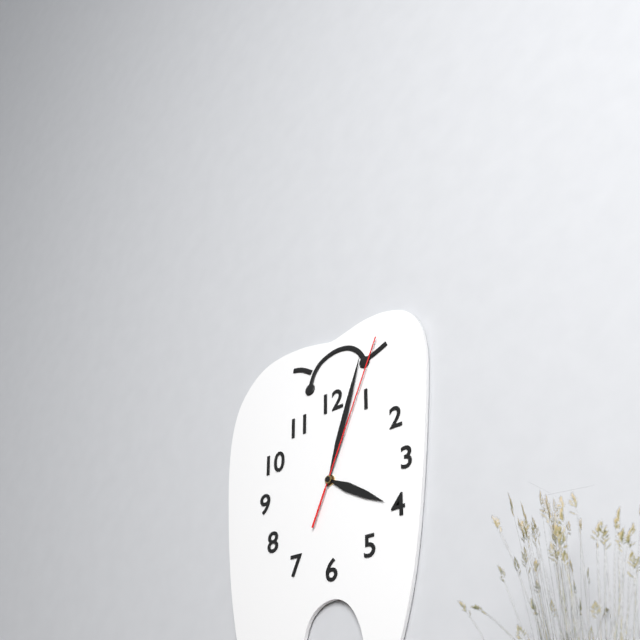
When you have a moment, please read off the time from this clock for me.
4:03:04
